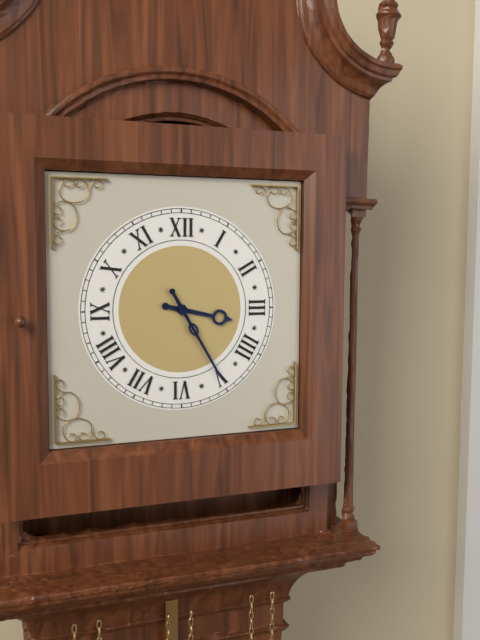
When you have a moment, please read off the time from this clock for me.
3:25
